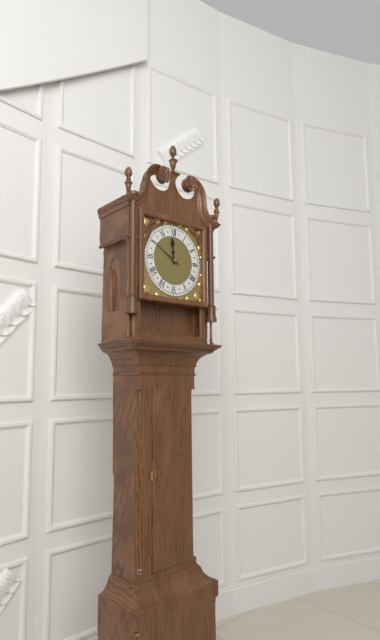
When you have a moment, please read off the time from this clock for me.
11:50
